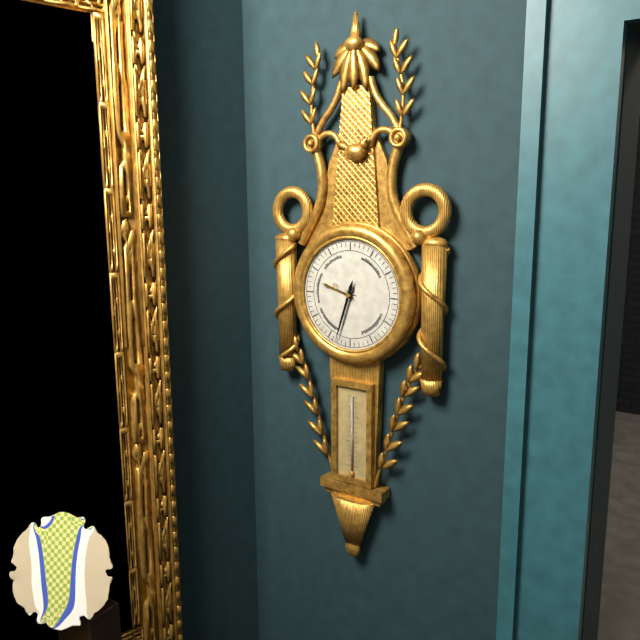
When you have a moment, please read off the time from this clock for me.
9:33
